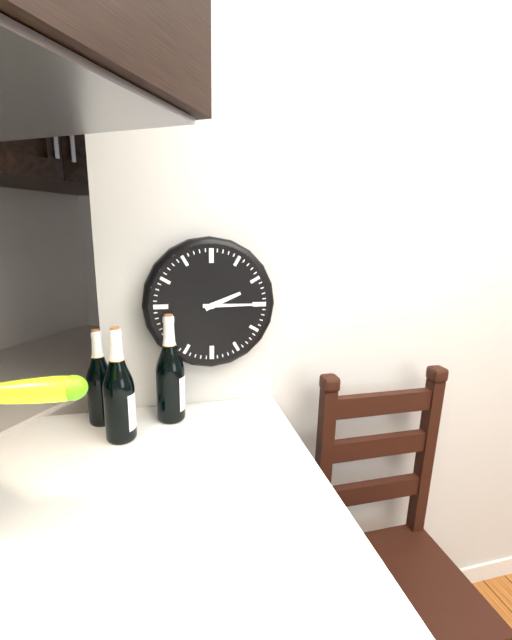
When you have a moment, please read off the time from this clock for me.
2:15
